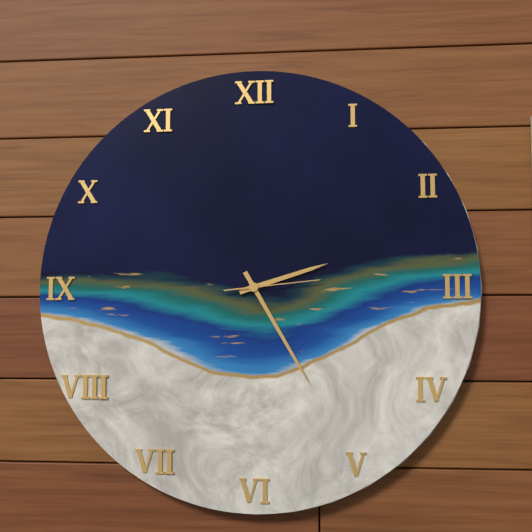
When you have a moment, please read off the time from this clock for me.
2:25:14
